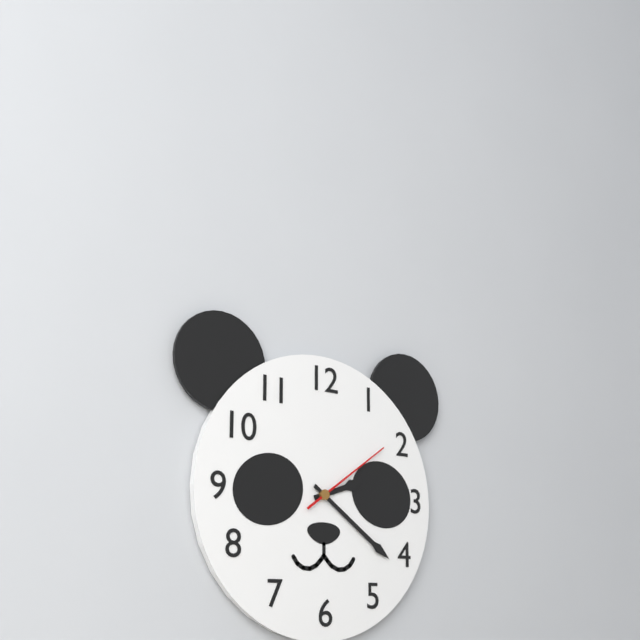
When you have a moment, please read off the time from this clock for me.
2:21:09
